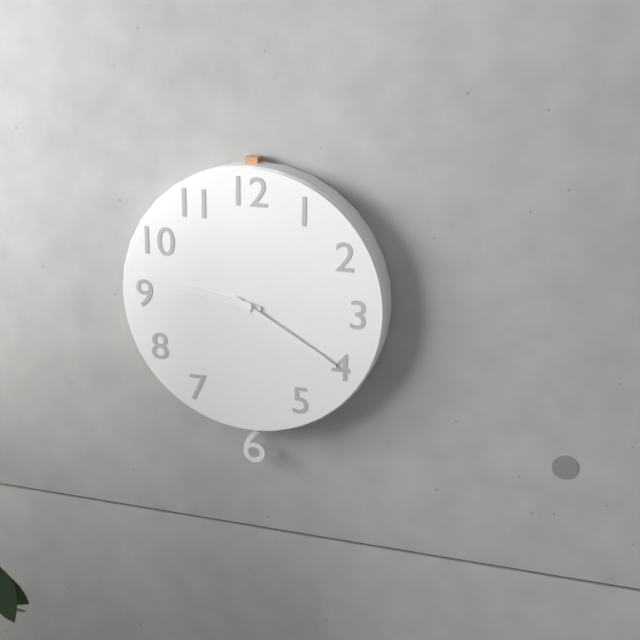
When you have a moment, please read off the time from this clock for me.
9:20
